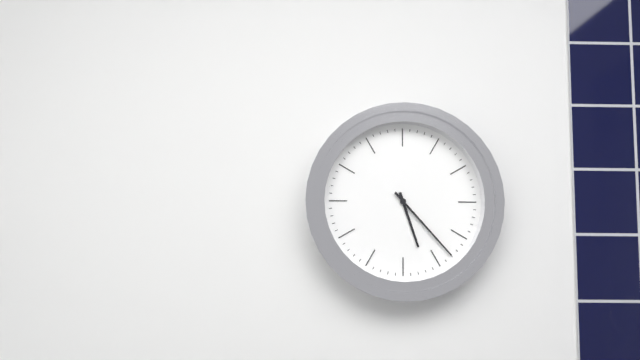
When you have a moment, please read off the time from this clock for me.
5:23
